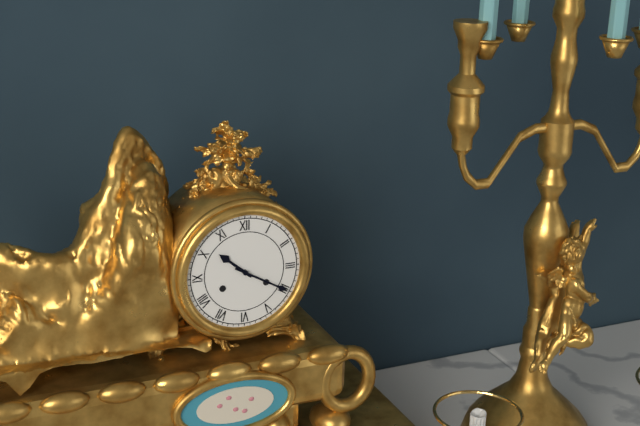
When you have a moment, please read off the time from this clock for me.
10:20
